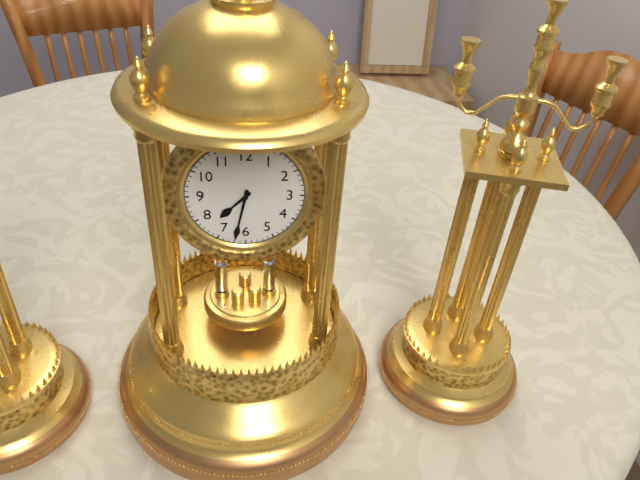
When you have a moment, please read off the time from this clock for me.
7:32
